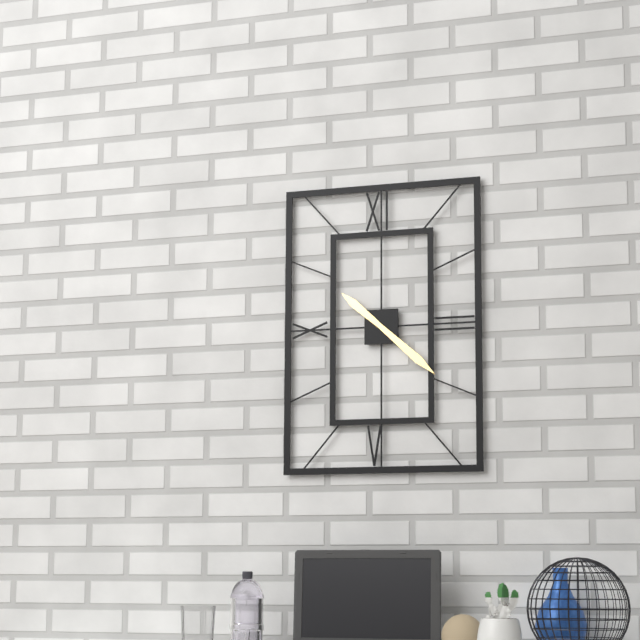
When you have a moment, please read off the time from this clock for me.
10:22
